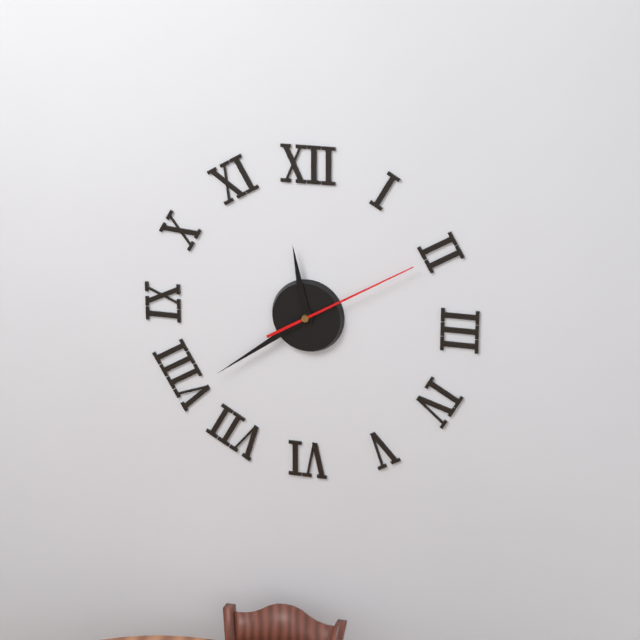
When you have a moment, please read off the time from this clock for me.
11:39:10
